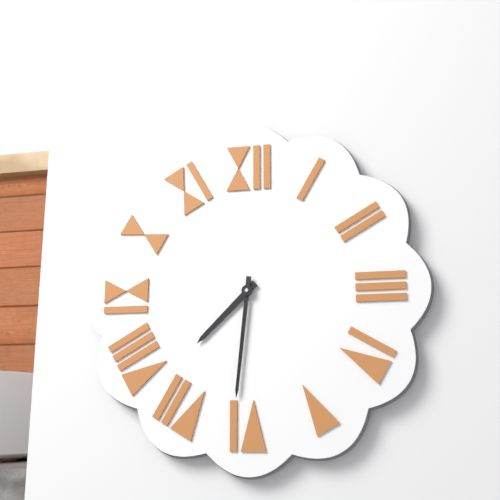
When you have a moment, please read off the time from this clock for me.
7:31
